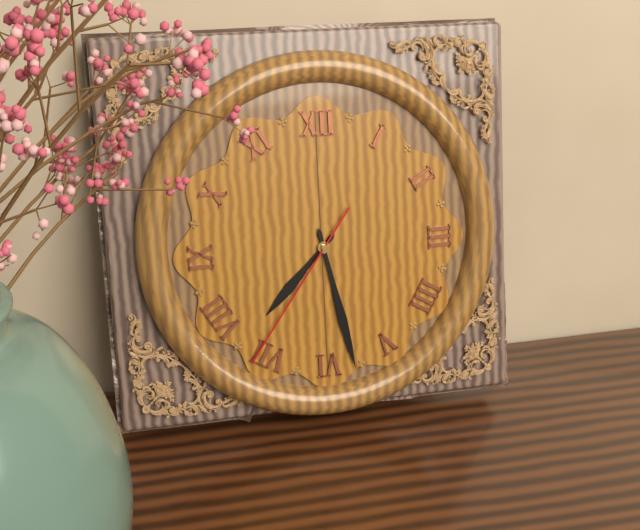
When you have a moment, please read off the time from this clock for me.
7:28:36
